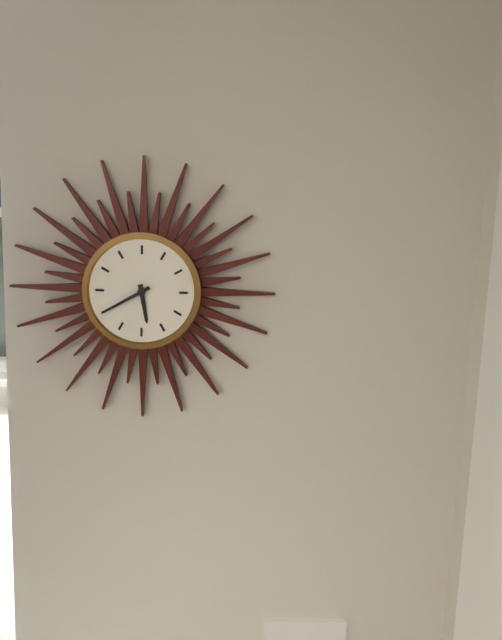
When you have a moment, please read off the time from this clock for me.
5:40
